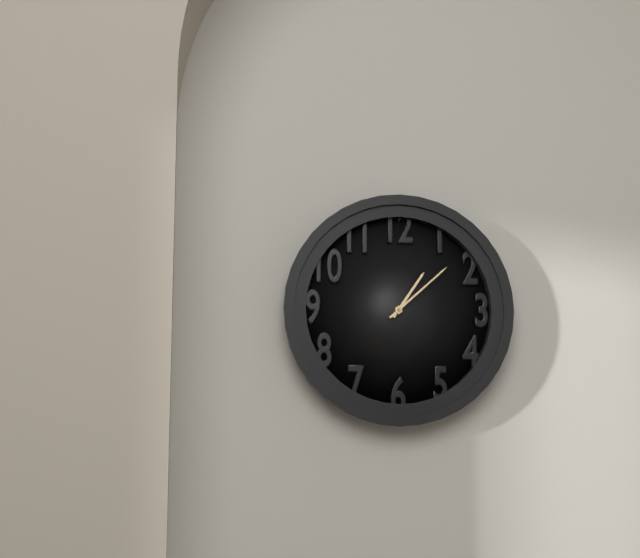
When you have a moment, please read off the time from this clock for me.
1:08
